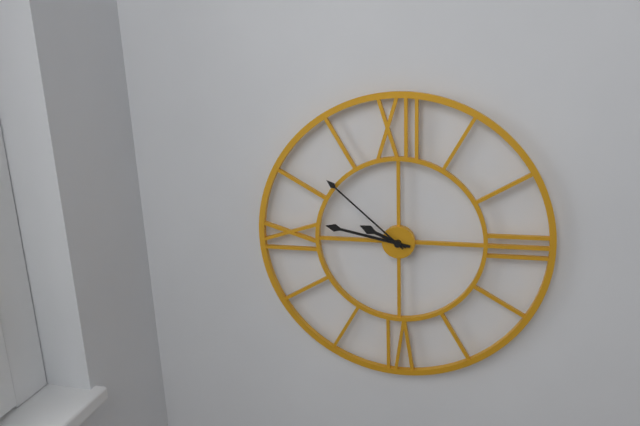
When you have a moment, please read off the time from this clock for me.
9:47:52
